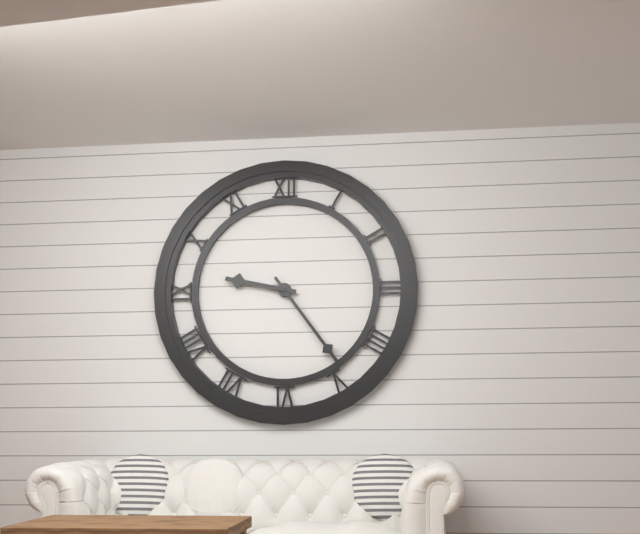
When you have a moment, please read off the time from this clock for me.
9:24
